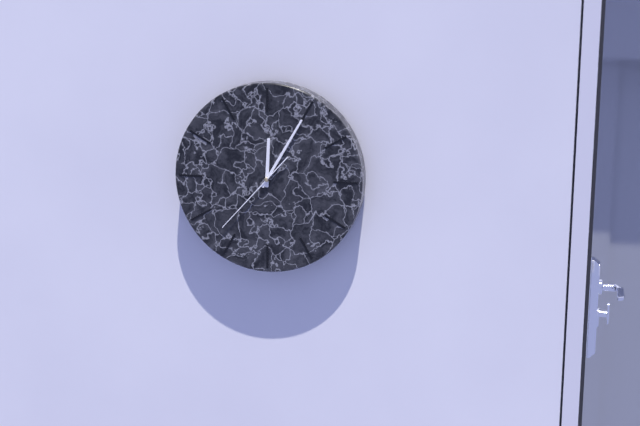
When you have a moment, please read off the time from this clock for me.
12:05:37
